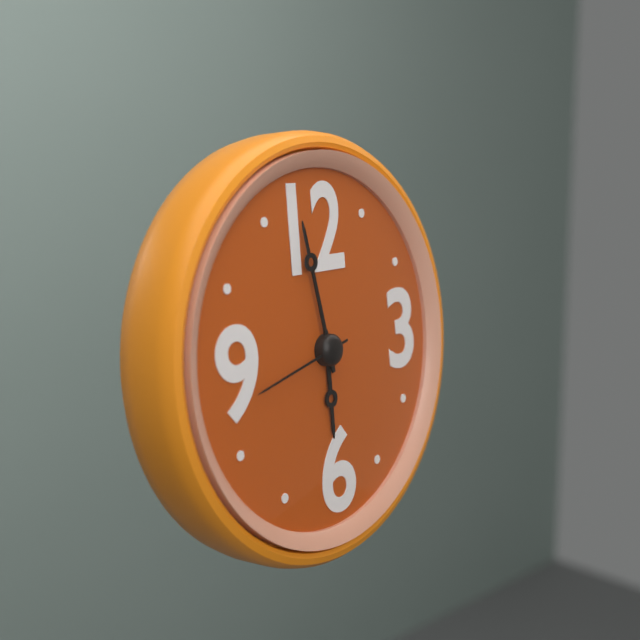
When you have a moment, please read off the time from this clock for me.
5:58:43
